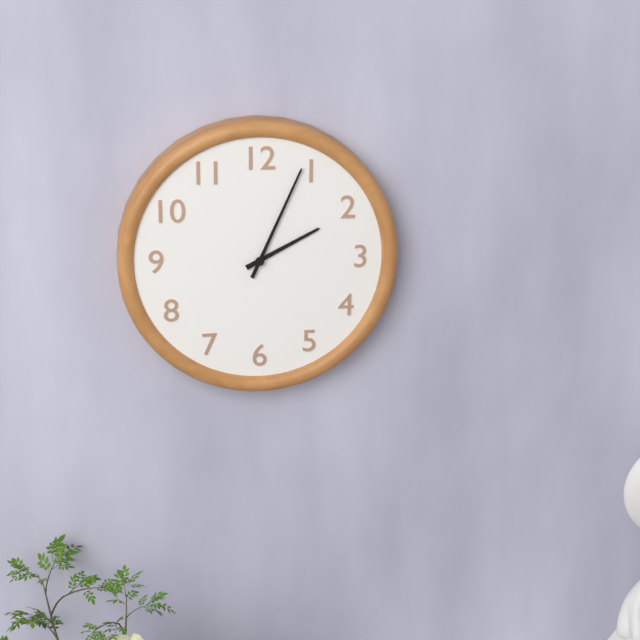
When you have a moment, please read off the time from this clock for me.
2:04
